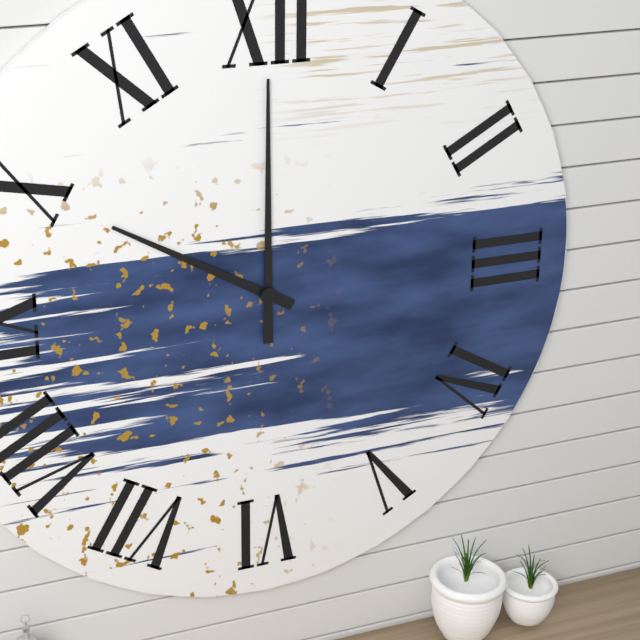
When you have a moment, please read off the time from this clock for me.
10:00
